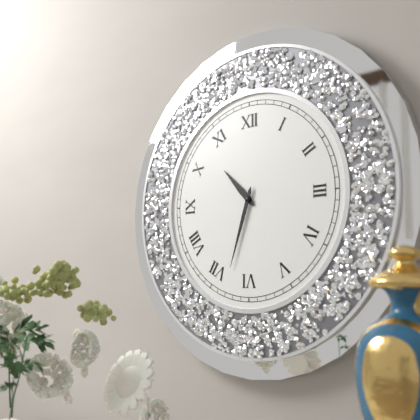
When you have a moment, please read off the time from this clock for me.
10:33
